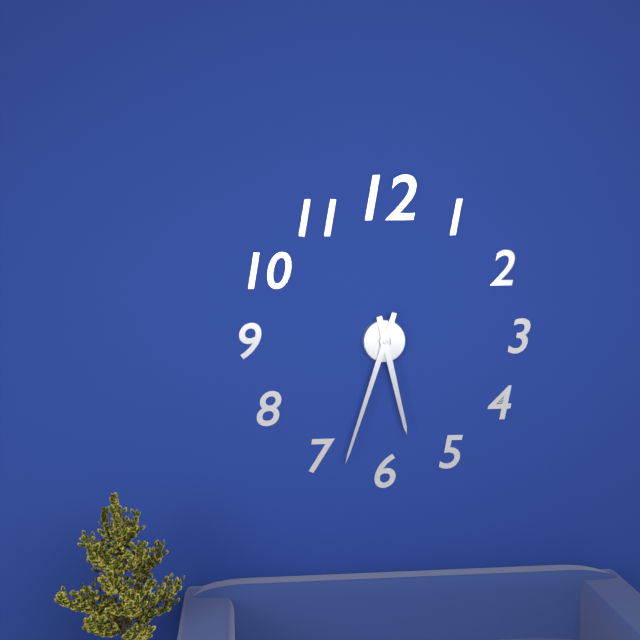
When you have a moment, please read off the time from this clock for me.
5:33
